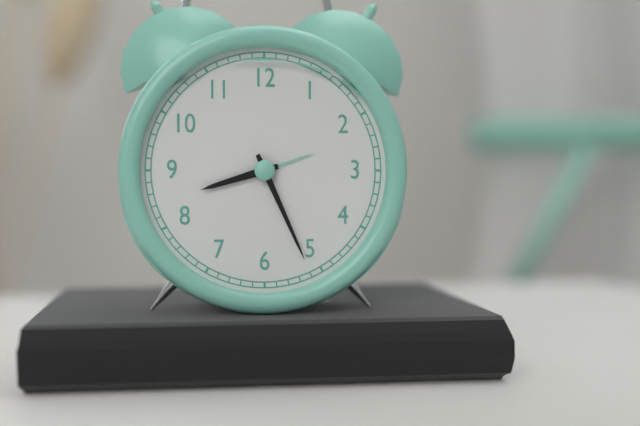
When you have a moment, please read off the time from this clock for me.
8:26
